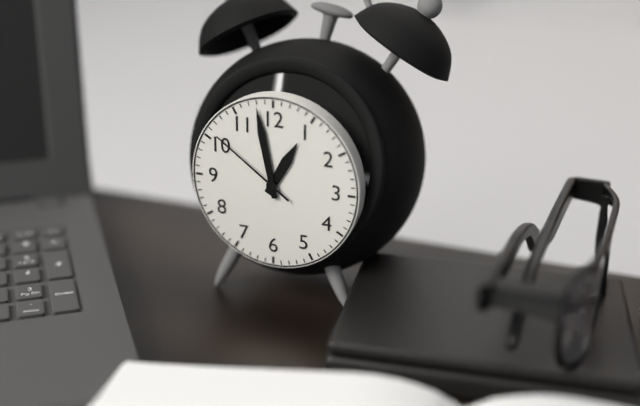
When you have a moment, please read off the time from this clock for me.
12:58:51
